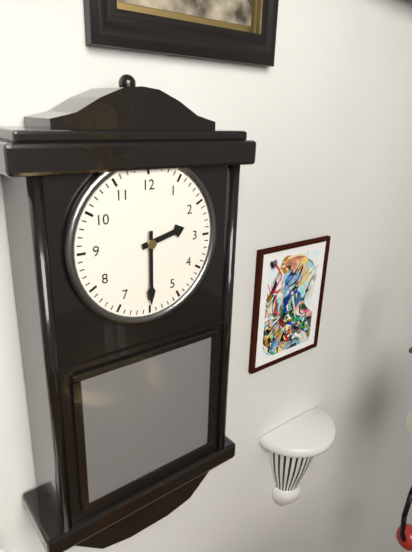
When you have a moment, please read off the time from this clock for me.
2:30
